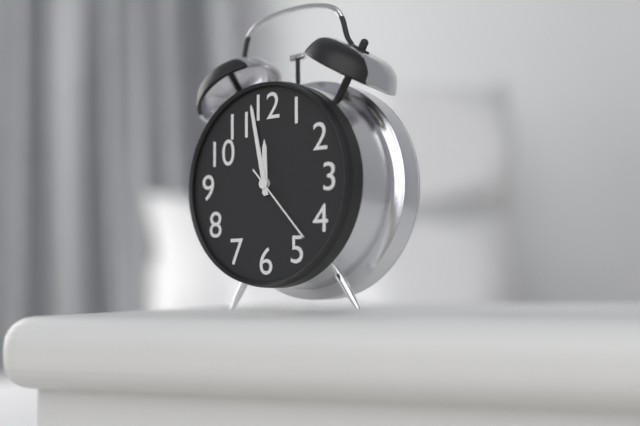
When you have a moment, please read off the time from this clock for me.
11:58:23
